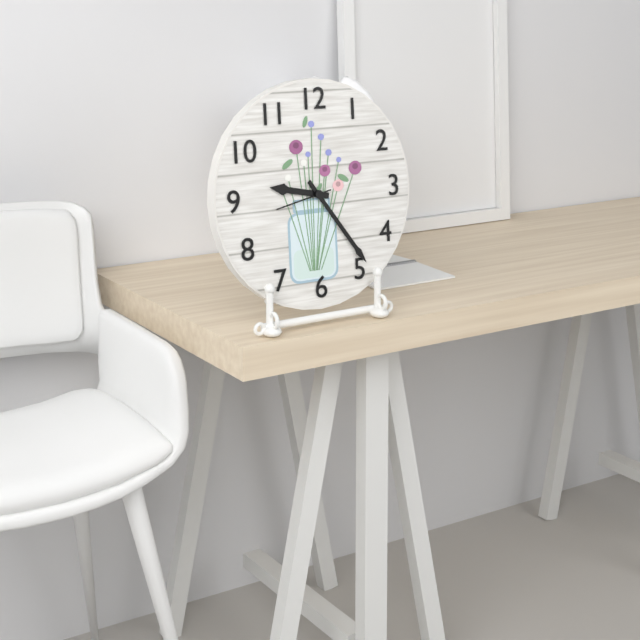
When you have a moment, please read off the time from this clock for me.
9:24:43
